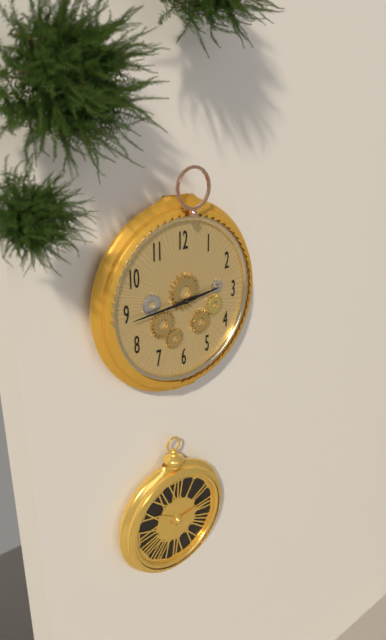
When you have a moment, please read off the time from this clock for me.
2:44
